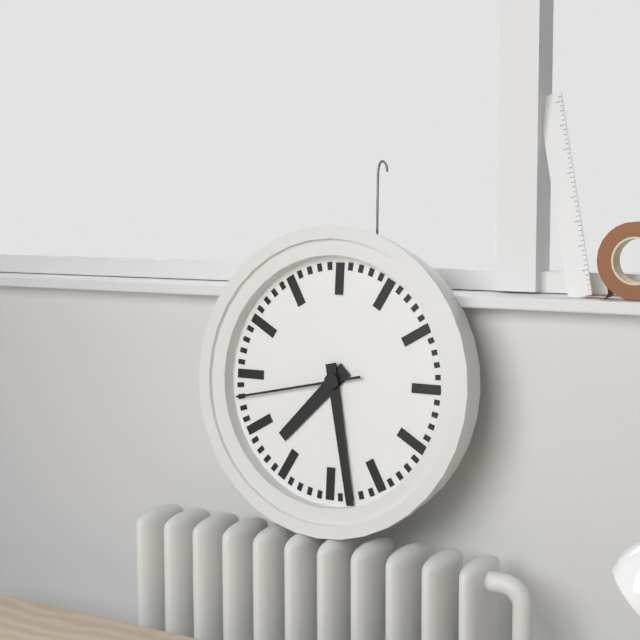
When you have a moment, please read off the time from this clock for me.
7:28:43
